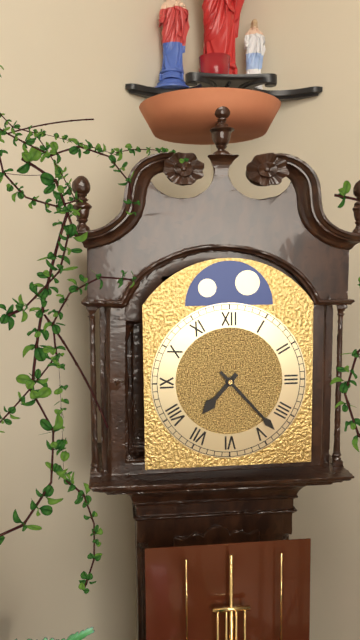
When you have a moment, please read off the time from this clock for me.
7:23
